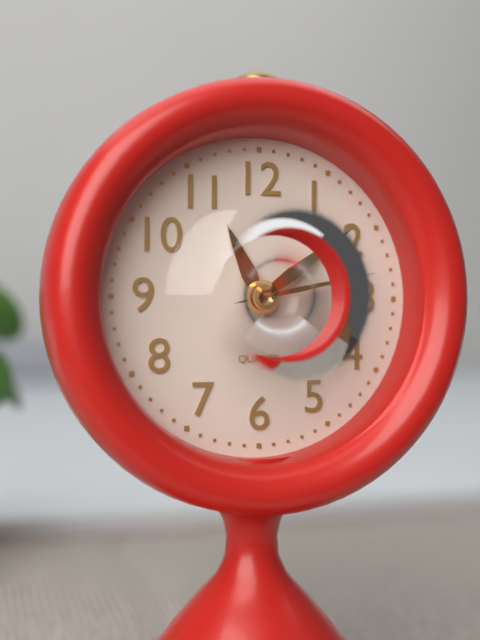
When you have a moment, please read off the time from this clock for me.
11:09:13
